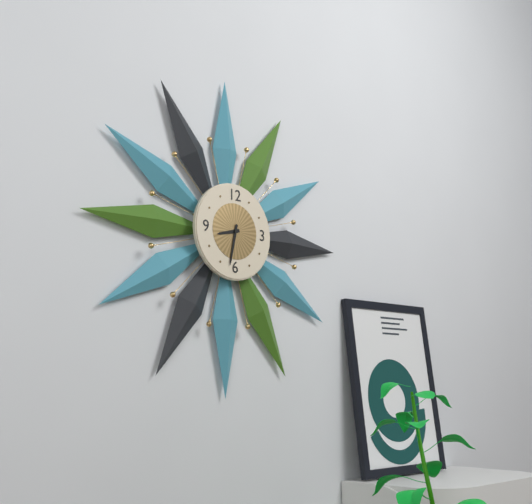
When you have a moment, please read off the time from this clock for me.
8:32
